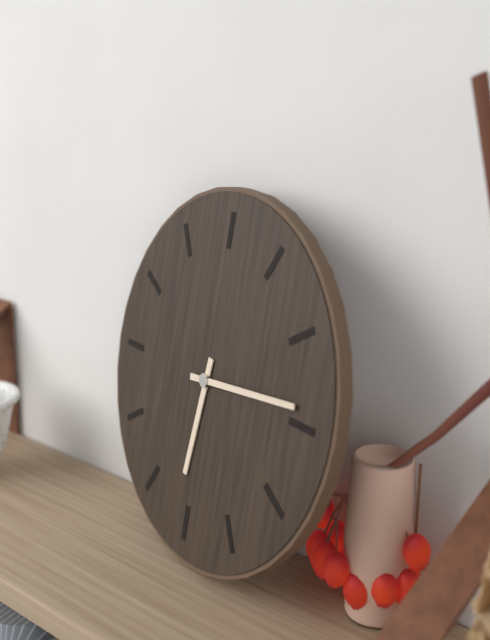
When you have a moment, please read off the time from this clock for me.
6:14
